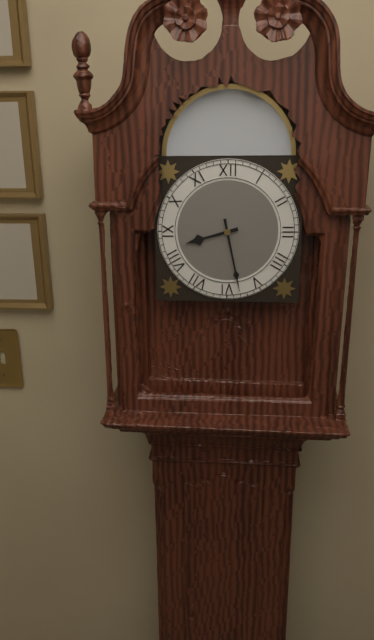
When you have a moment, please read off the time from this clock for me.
8:28
